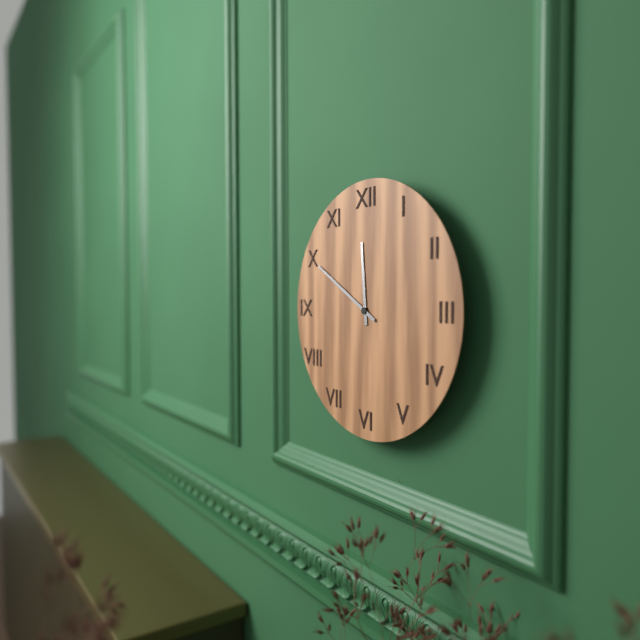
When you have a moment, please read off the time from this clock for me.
11:50
